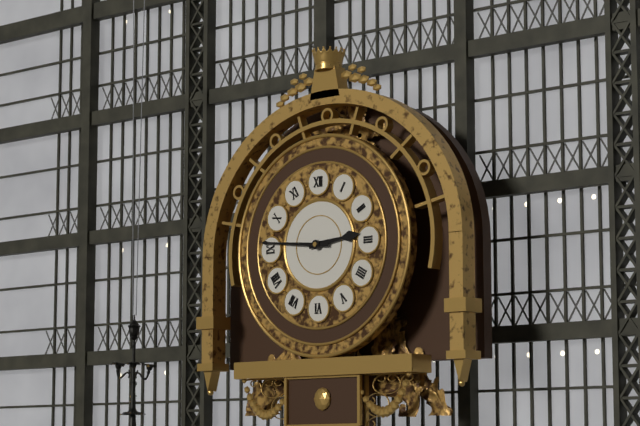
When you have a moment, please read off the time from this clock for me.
2:46
